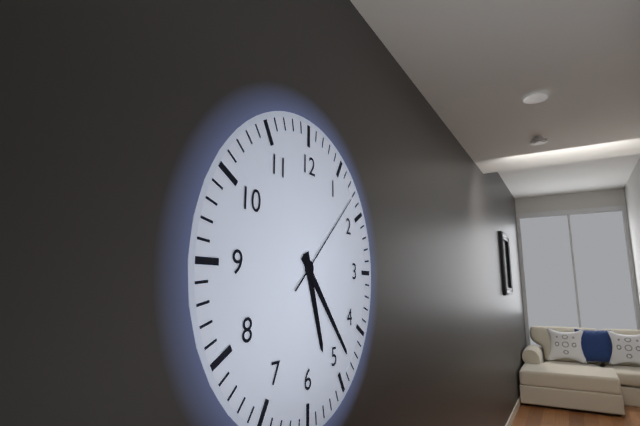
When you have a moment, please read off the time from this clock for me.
5:23:08
